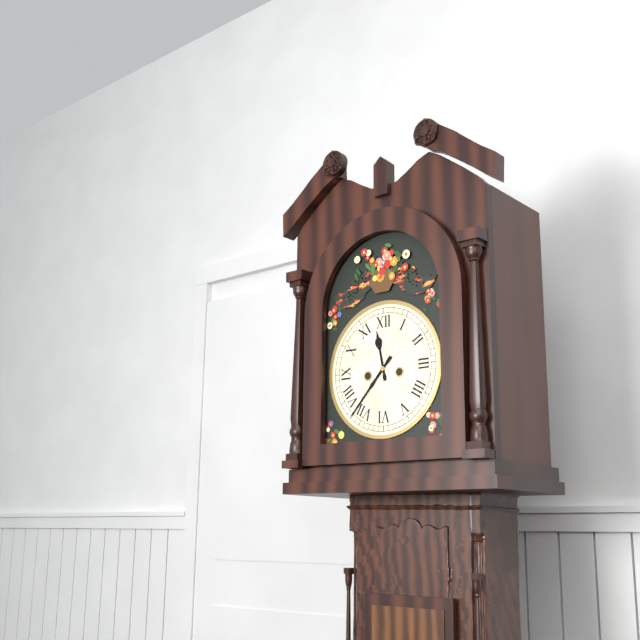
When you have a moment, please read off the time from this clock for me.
11:37
